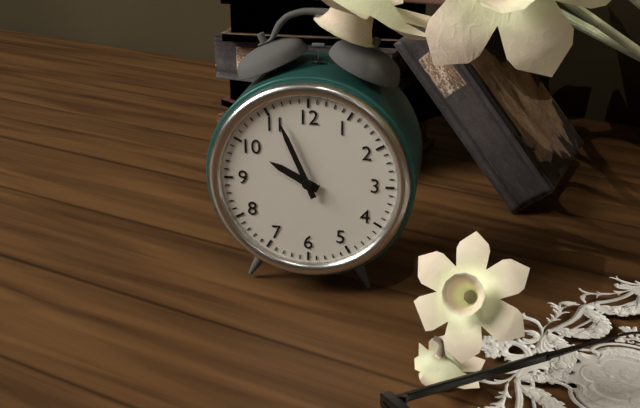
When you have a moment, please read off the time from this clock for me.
9:56
